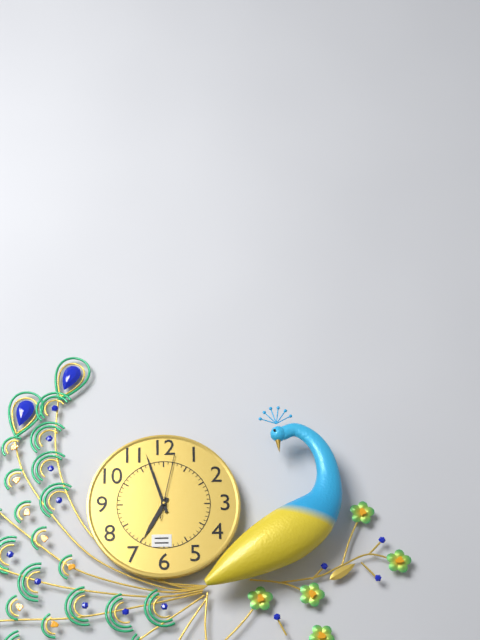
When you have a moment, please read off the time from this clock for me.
6:57:02
